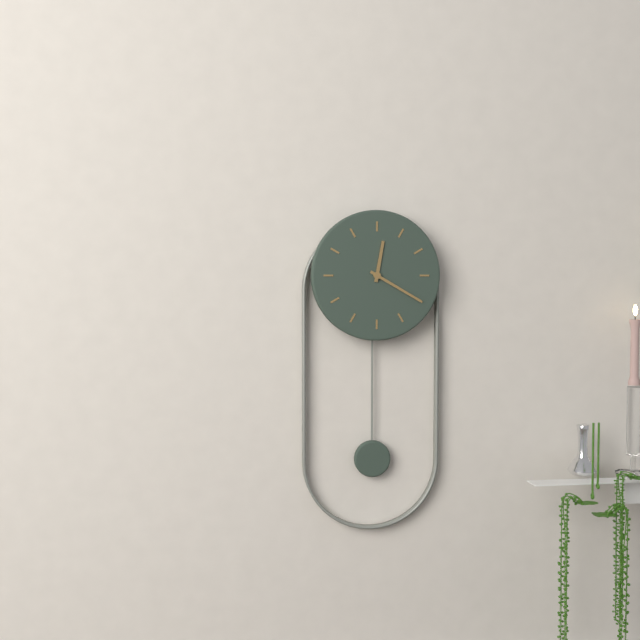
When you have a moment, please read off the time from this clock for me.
12:20
